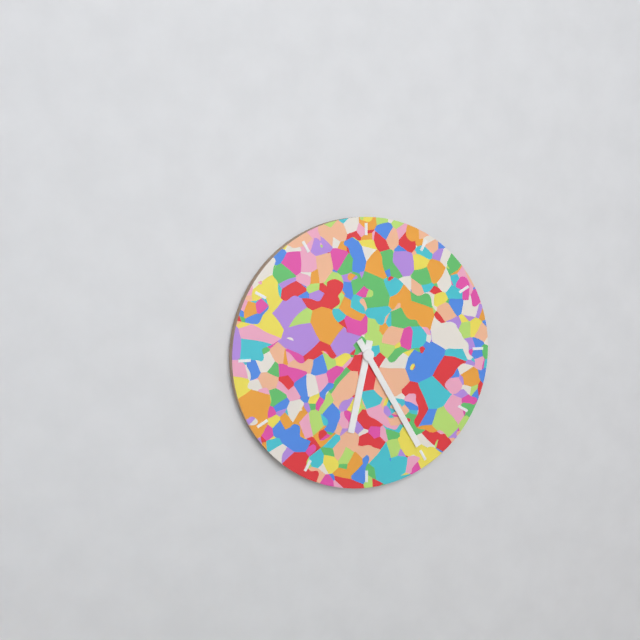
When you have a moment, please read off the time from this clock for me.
6:25
